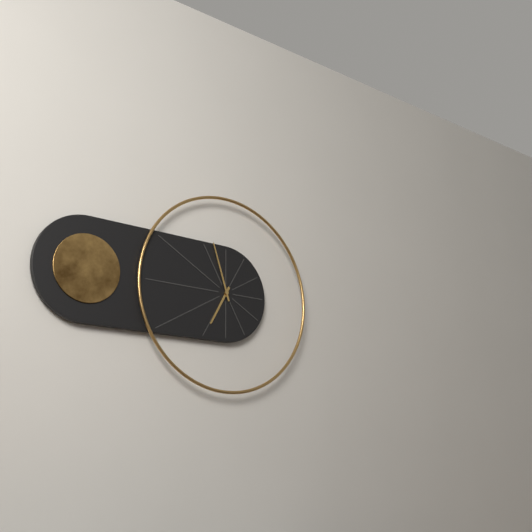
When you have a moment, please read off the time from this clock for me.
6:57
